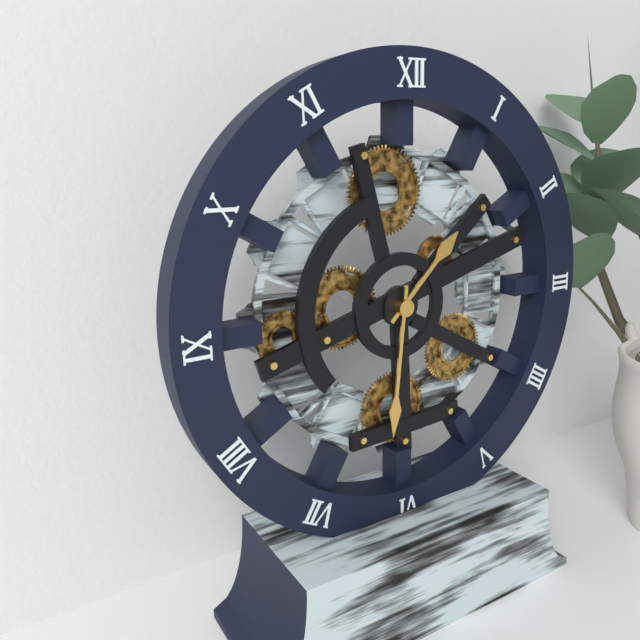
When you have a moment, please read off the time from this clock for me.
1:31
